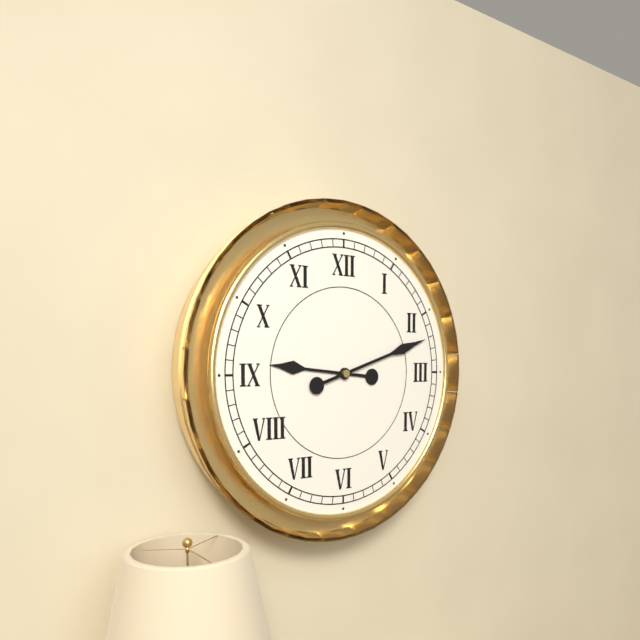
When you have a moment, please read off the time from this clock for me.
9:12
